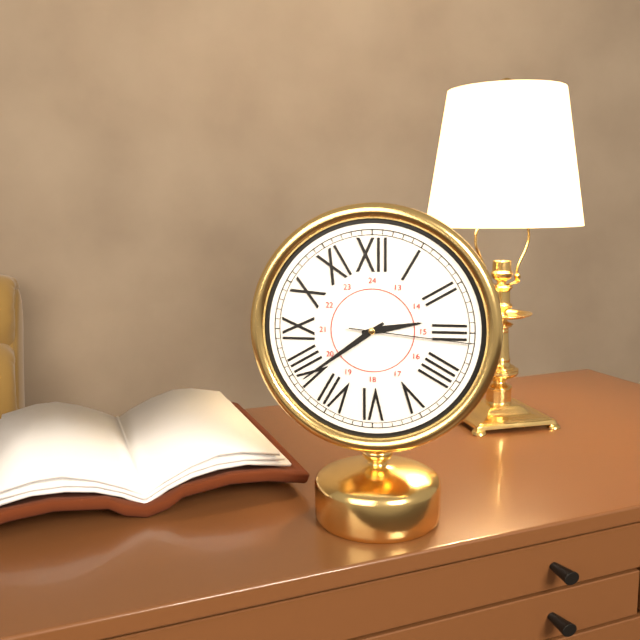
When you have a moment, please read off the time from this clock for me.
2:39:16
